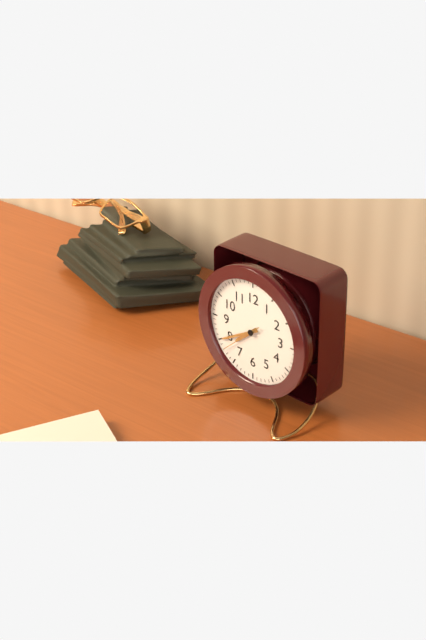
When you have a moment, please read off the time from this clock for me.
7:40
